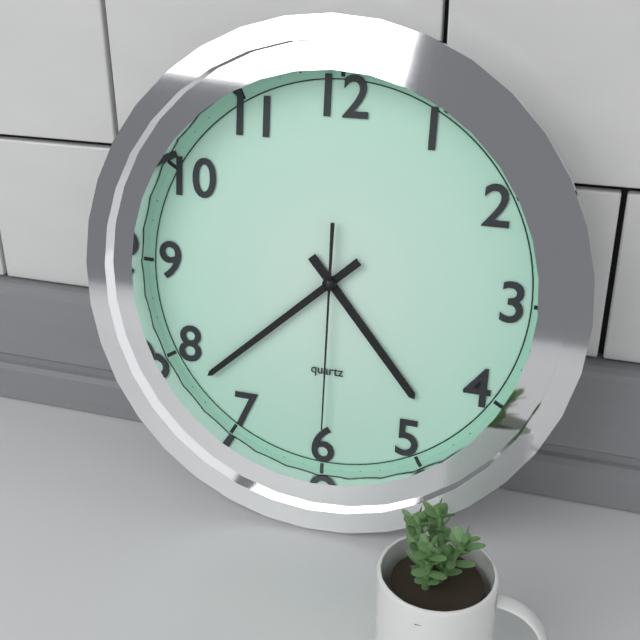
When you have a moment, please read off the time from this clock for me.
4:38:30
